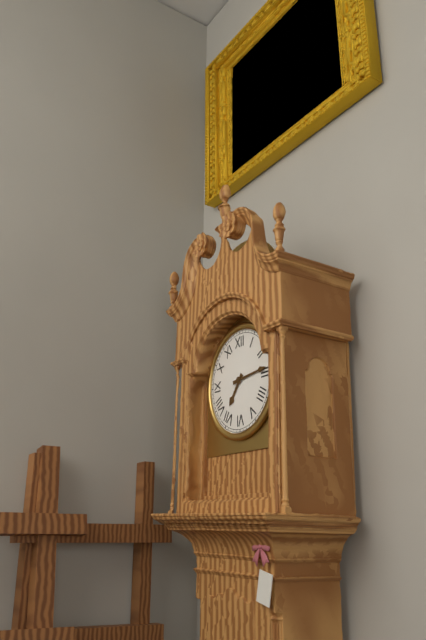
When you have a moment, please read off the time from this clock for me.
7:14
